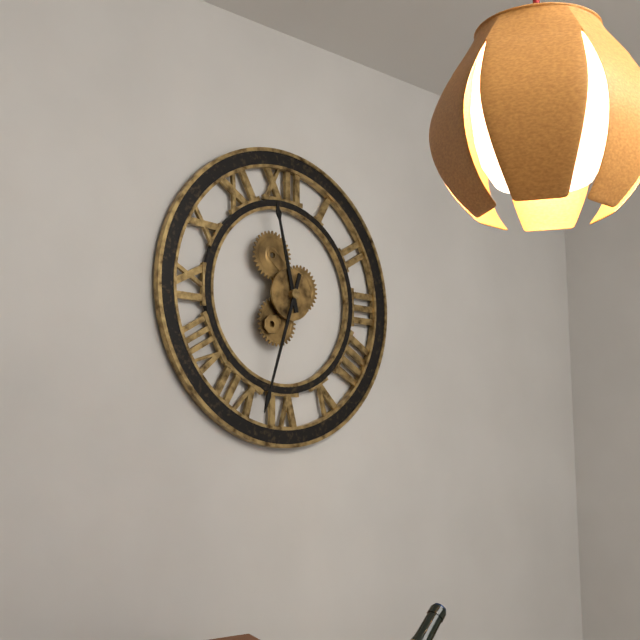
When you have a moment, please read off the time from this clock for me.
11:33
